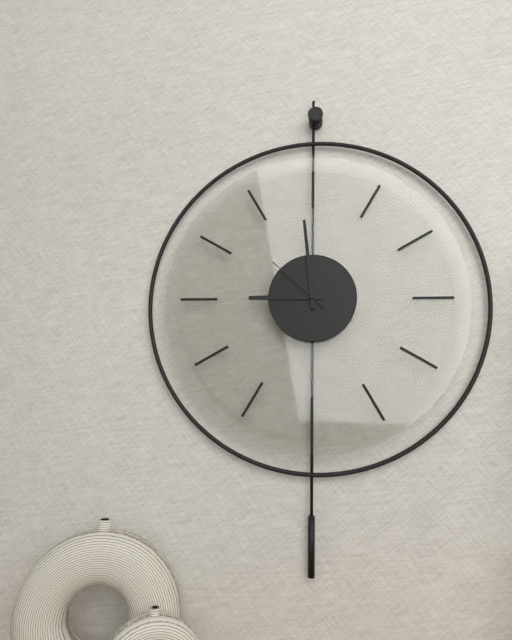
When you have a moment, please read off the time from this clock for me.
8:59:52
